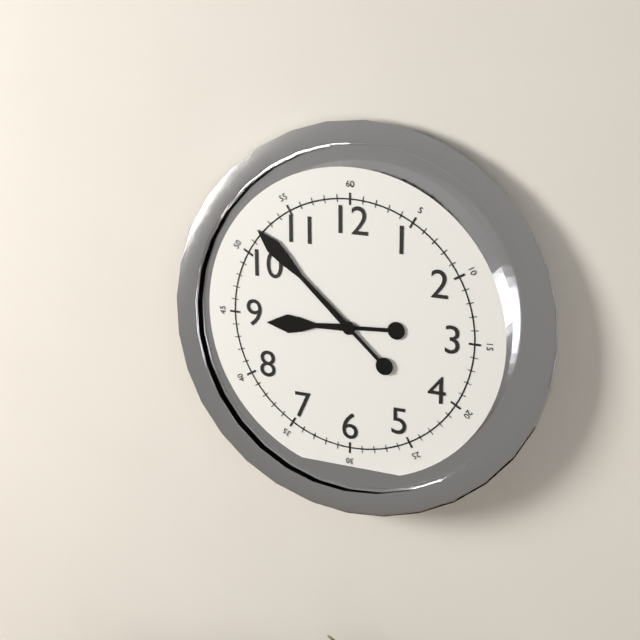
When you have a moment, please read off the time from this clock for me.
8:52
